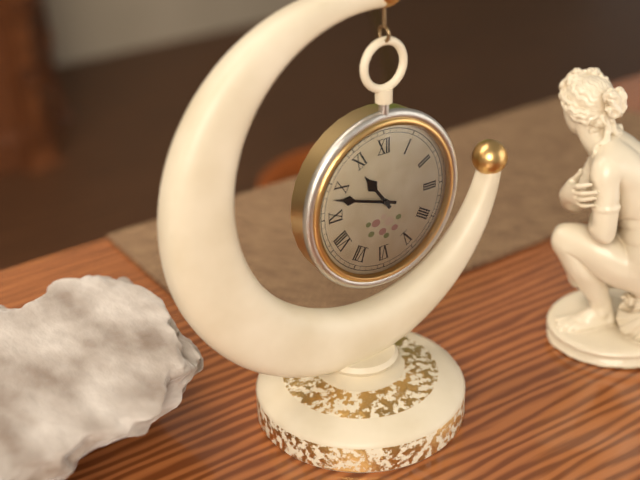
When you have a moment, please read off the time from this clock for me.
10:48
